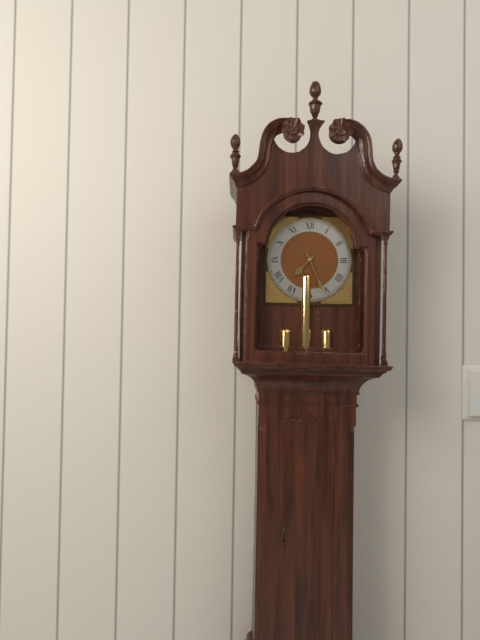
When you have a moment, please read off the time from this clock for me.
7:26
